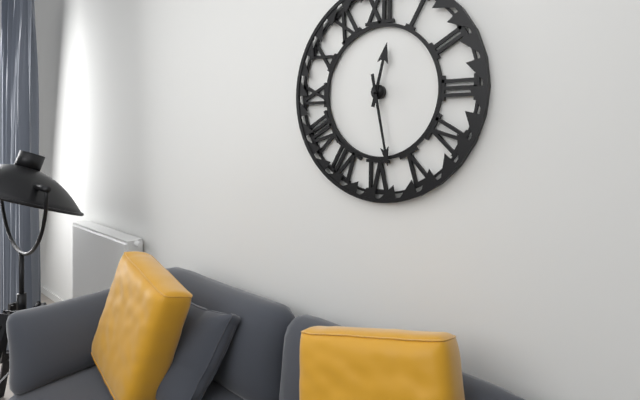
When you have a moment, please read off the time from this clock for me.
12:28
